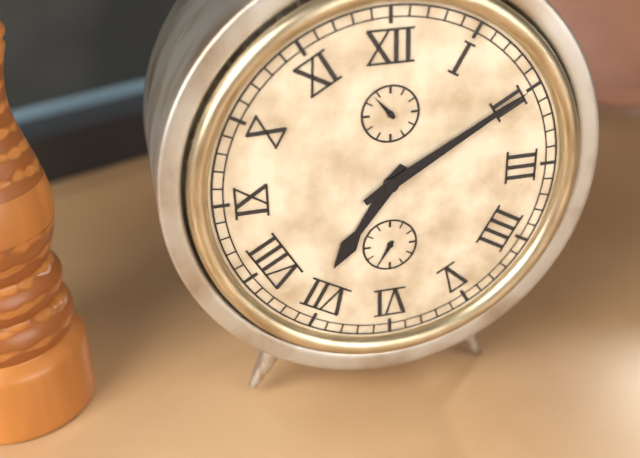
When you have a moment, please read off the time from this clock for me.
7:10
